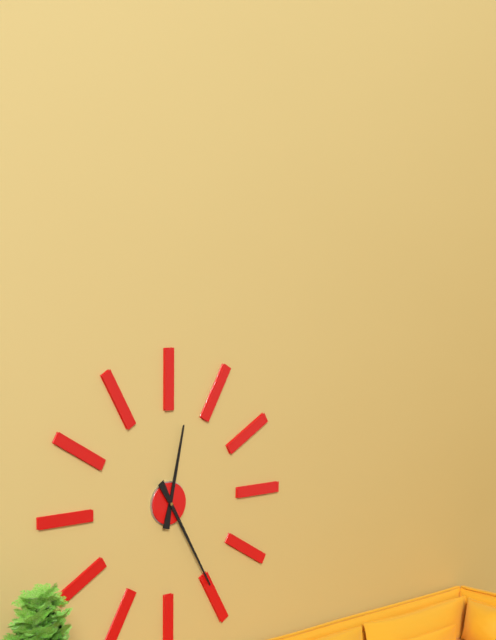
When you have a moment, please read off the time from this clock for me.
12:25
